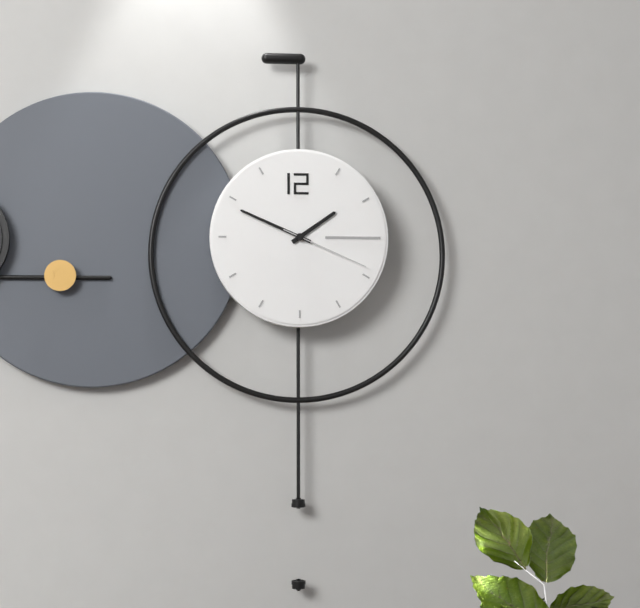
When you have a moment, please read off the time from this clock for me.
1:49:19
